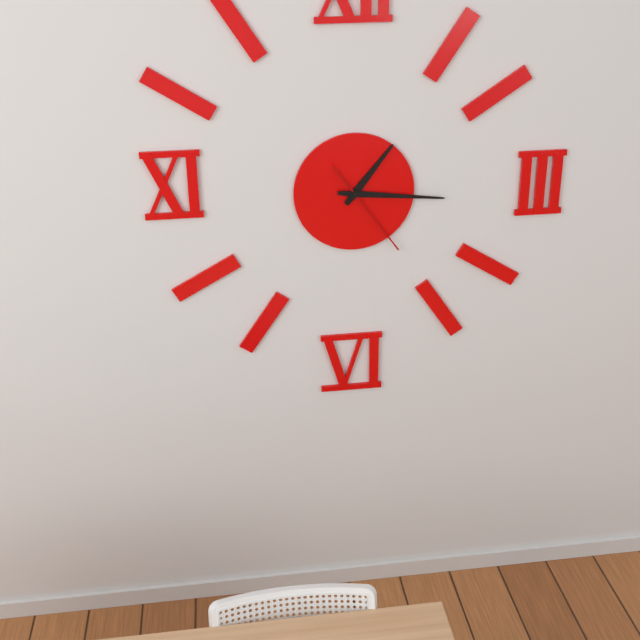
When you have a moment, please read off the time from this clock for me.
1:16:24
